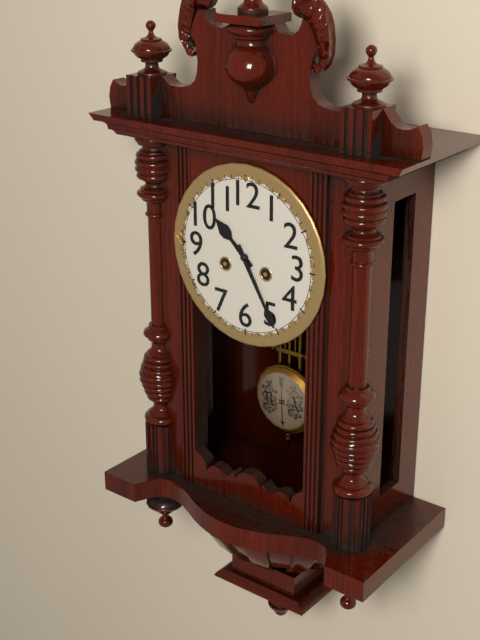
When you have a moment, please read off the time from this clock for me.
10:25
